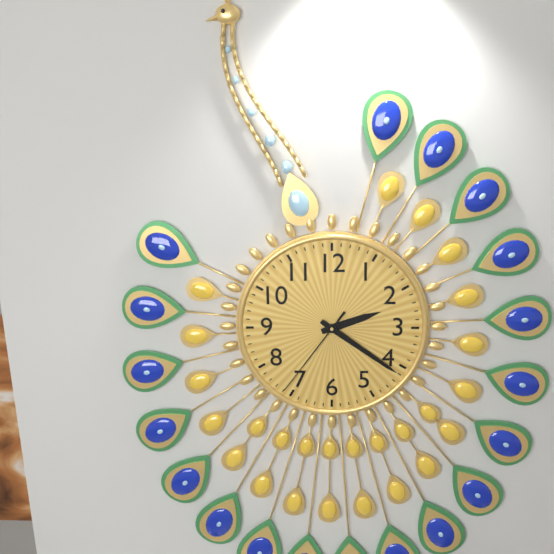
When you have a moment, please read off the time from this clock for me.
2:21:36
